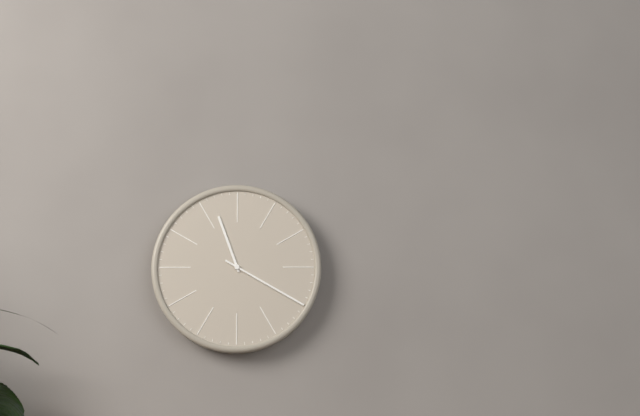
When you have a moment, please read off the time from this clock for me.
11:20
